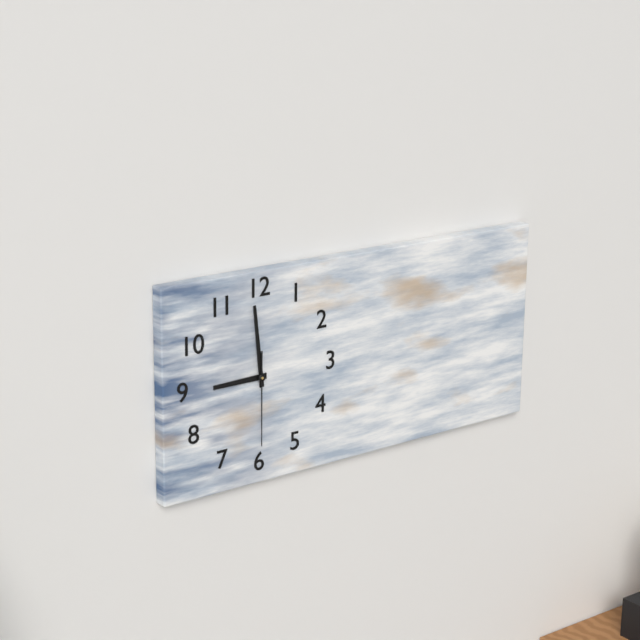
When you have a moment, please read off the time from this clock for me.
8:59:30
